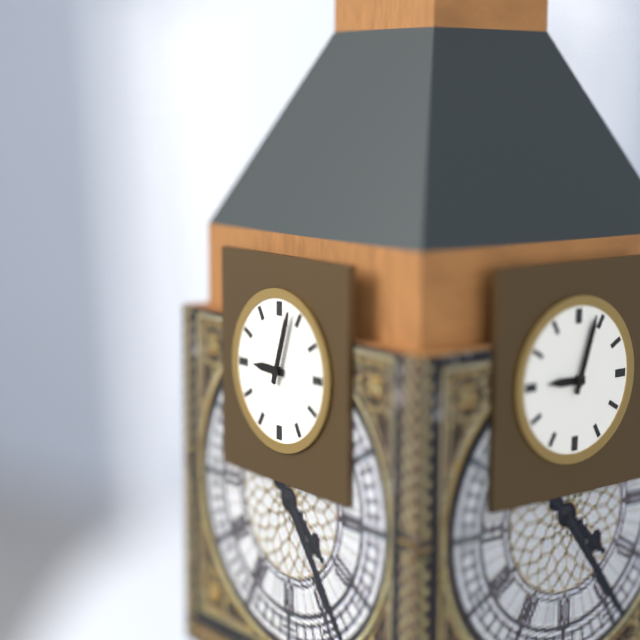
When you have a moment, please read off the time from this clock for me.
9:03
